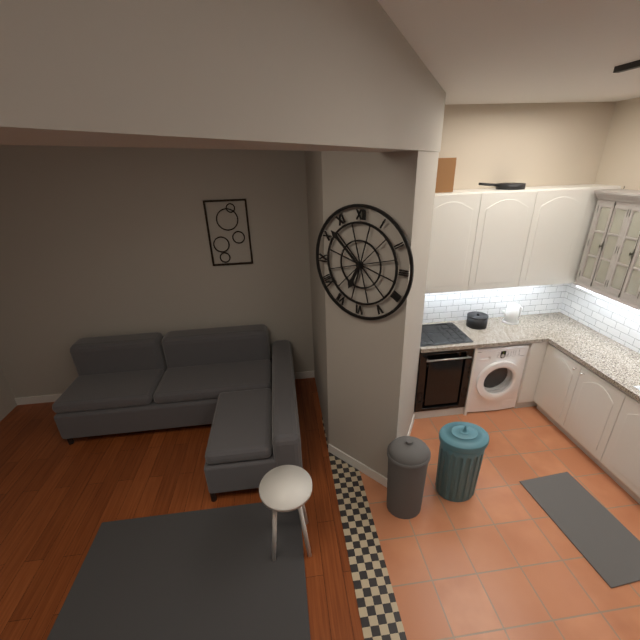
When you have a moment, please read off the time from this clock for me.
6:52
